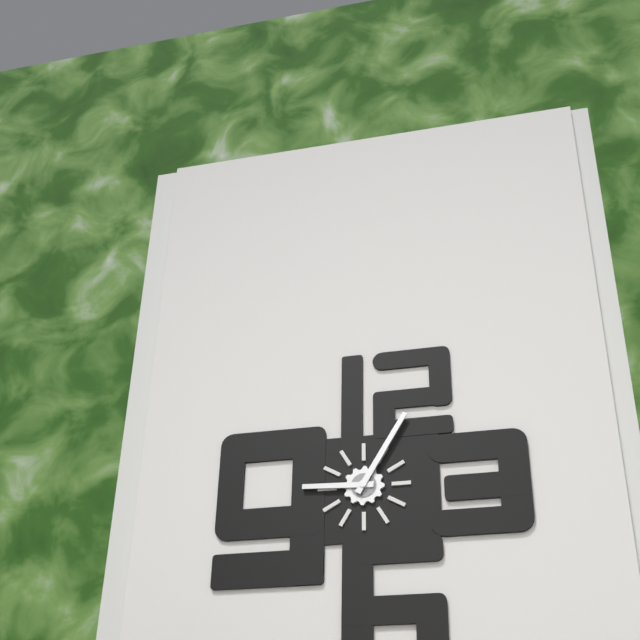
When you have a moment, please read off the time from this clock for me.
9:05
